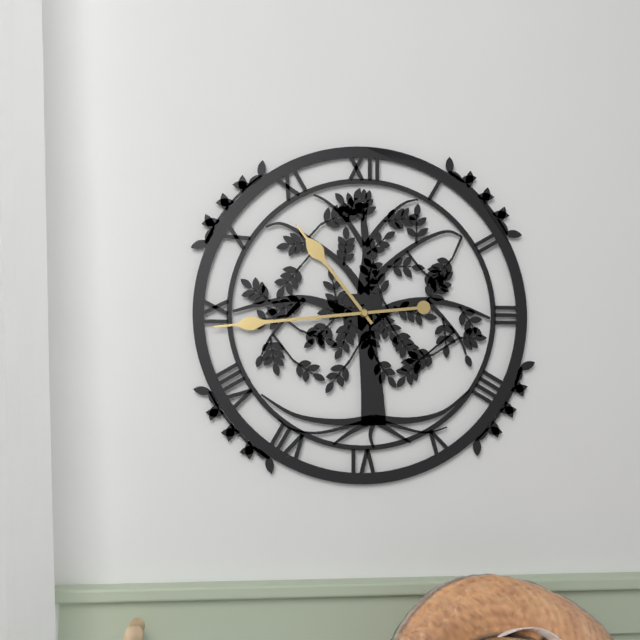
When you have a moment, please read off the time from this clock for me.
10:44
